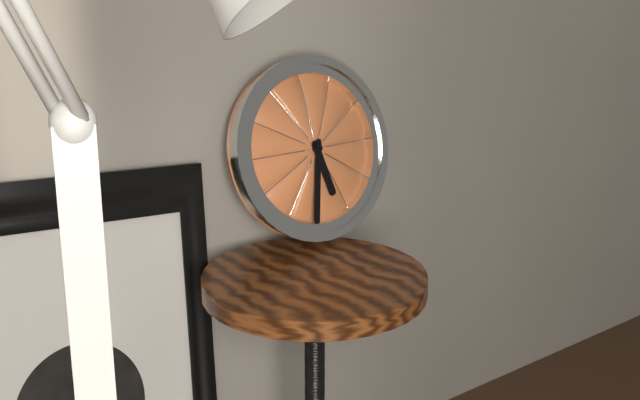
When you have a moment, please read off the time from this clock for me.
5:32
